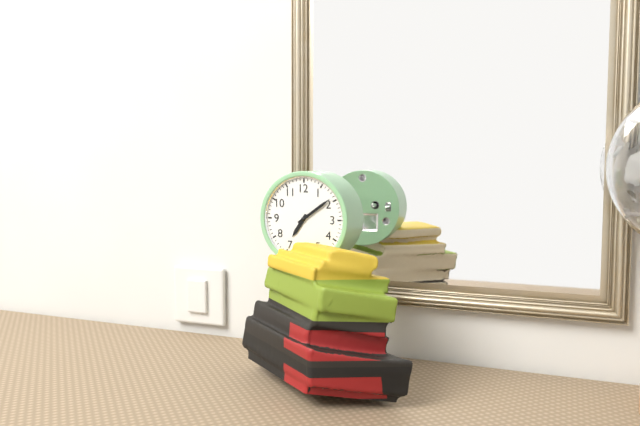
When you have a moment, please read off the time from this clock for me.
7:09
